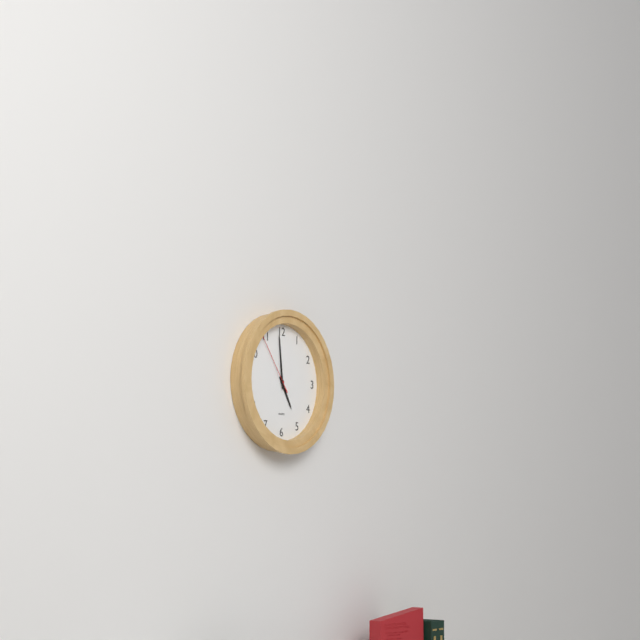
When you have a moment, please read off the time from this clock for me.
4:59:54
